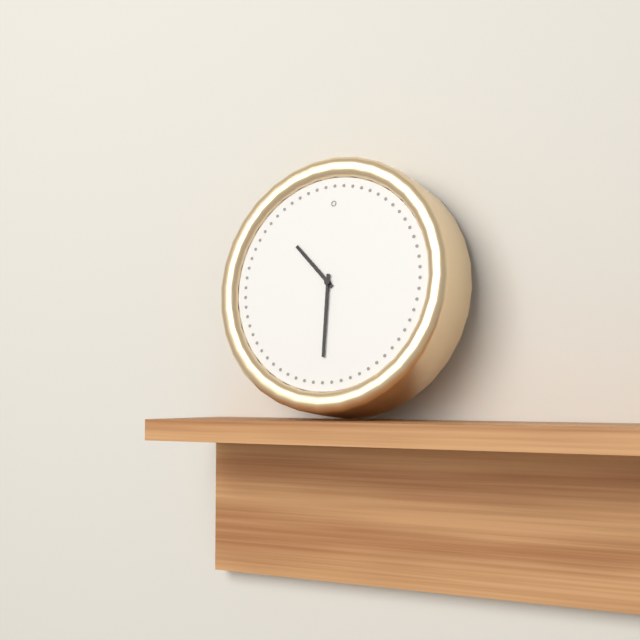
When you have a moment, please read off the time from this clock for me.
10:30
